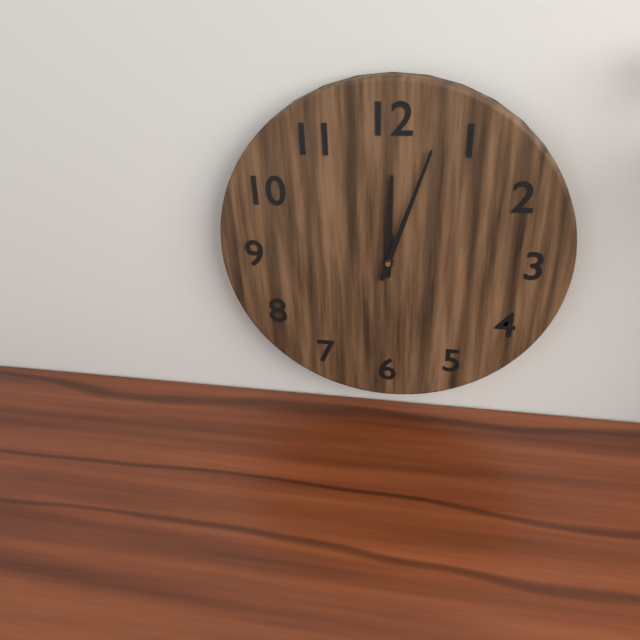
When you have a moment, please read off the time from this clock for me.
12:03
